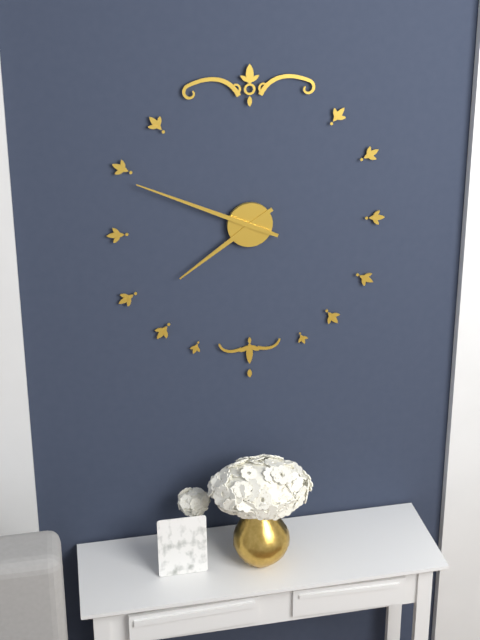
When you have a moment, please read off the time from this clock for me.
7:49
